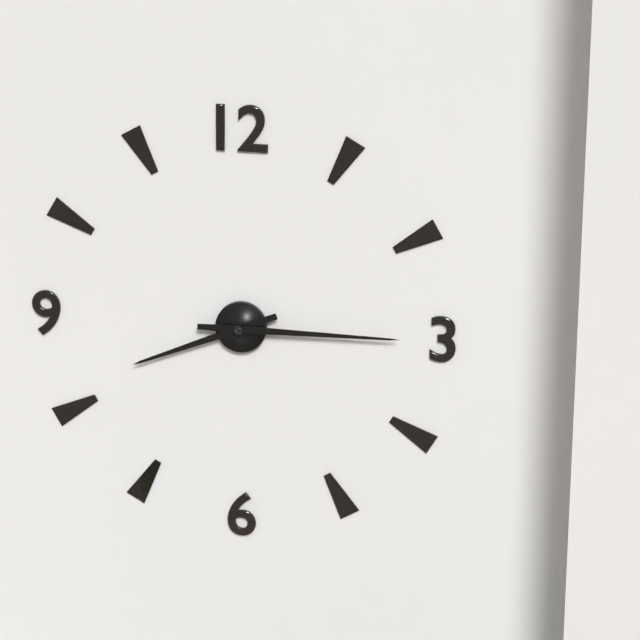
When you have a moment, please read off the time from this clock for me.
8:15
